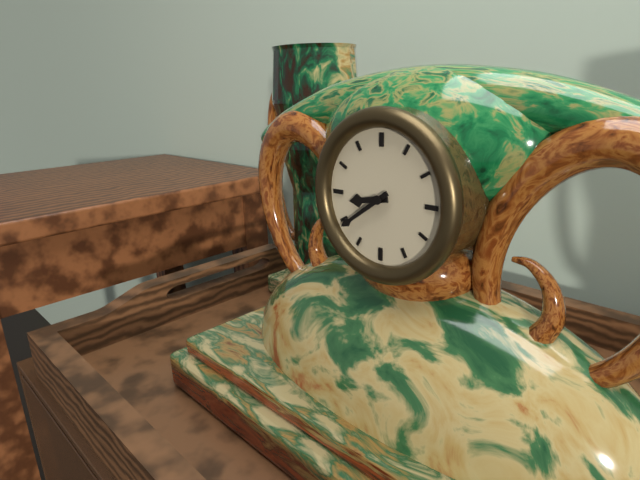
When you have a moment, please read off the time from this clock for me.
8:39
